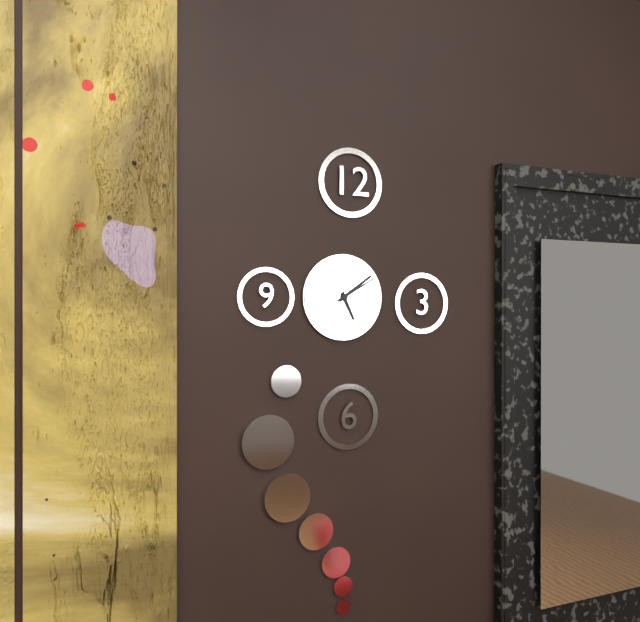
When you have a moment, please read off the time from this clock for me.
5:09
